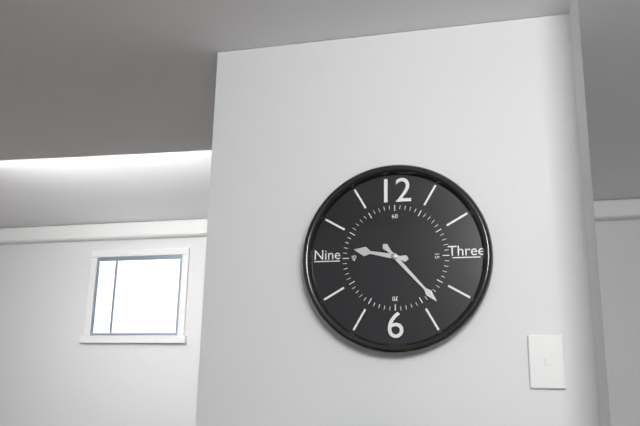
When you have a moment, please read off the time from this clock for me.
9:23
